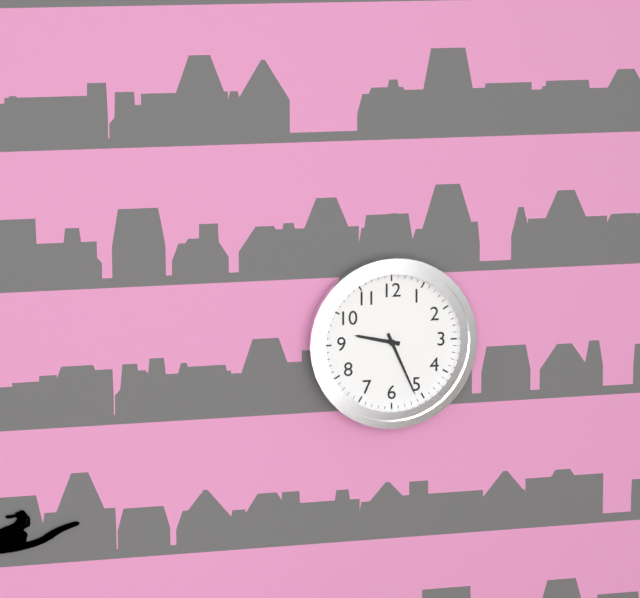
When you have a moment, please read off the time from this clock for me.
9:26
